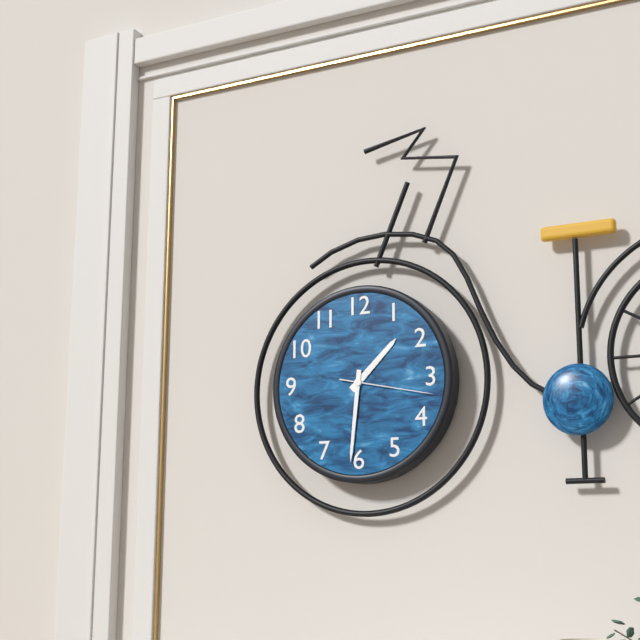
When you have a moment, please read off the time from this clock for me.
1:31:17
